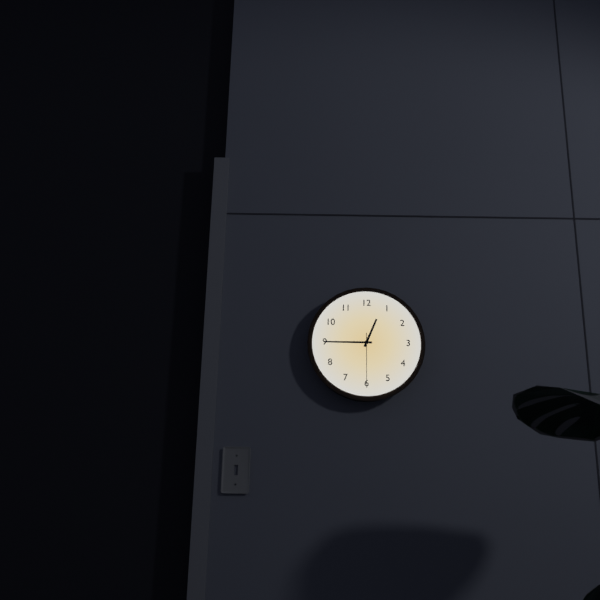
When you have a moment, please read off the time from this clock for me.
12:45:30
